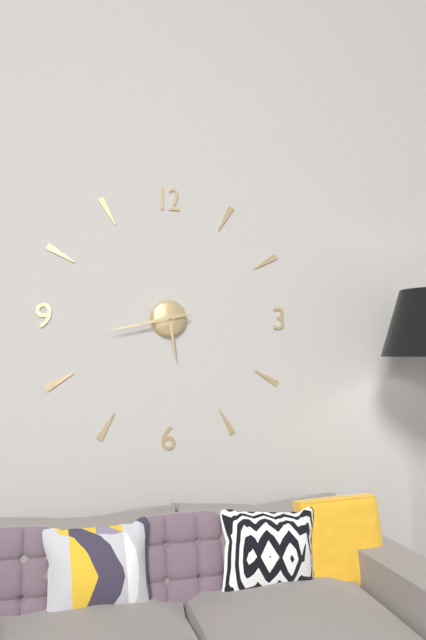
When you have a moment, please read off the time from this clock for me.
5:43
